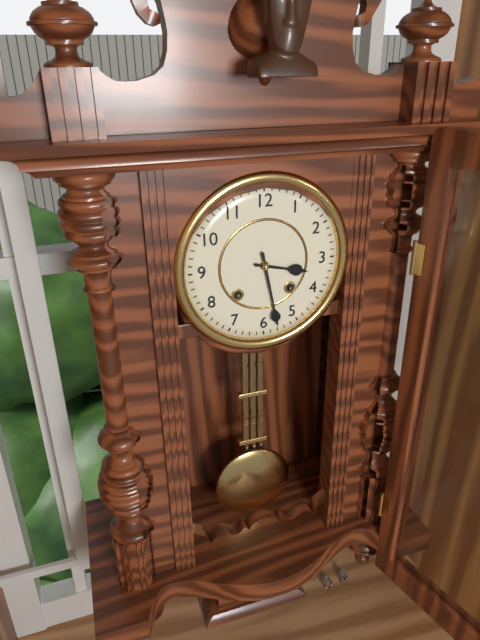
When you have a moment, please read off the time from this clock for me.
3:28
